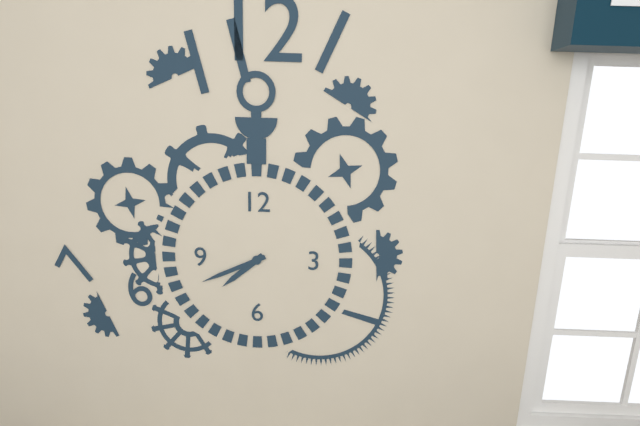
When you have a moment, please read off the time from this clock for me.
7:41
